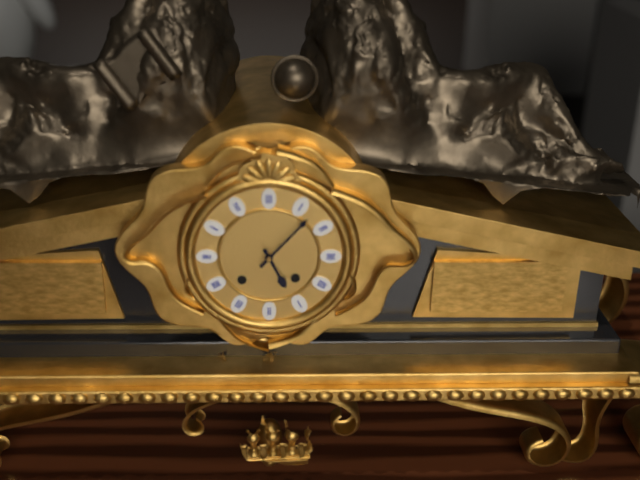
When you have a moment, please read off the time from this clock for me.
5:07
